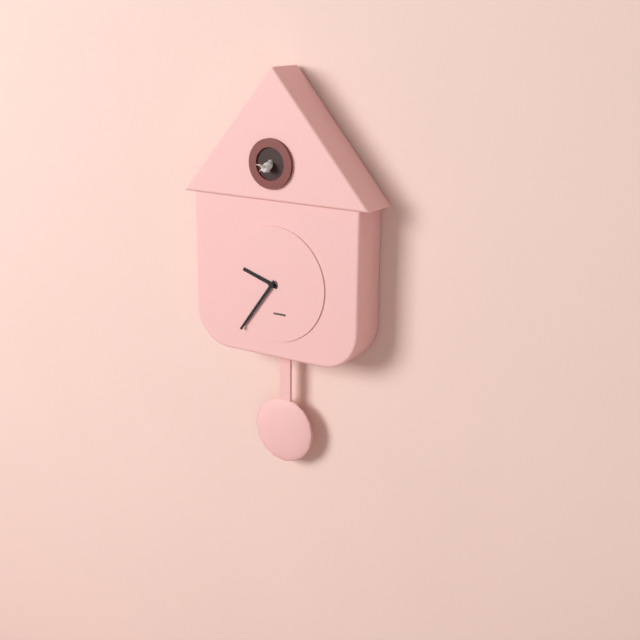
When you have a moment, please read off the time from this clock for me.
9:36
